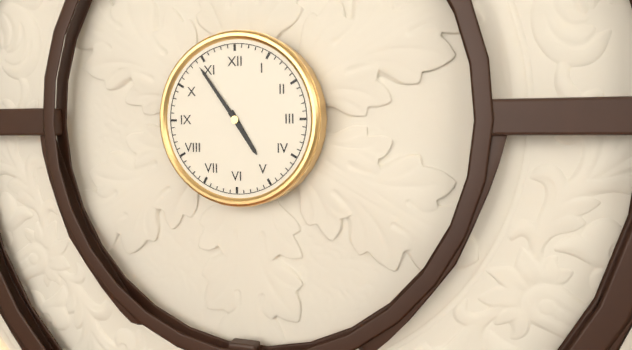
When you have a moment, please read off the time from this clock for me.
4:54
